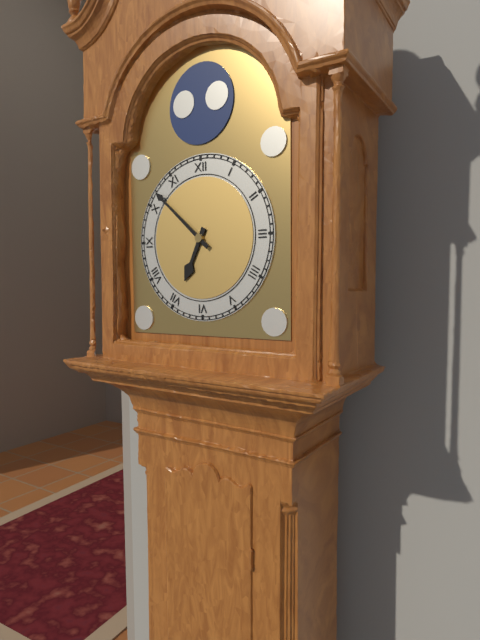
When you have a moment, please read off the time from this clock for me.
6:52
